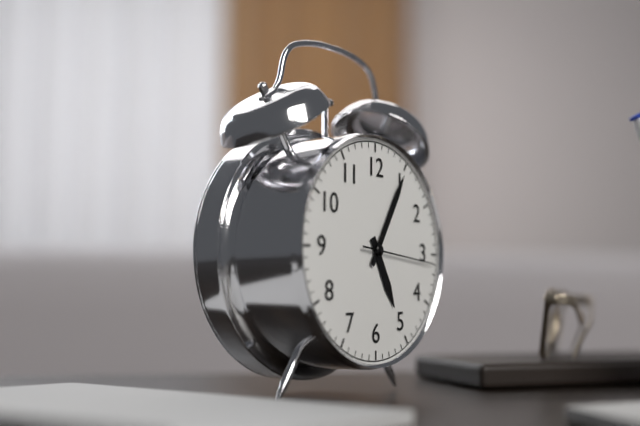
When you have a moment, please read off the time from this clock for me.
5:05:16
